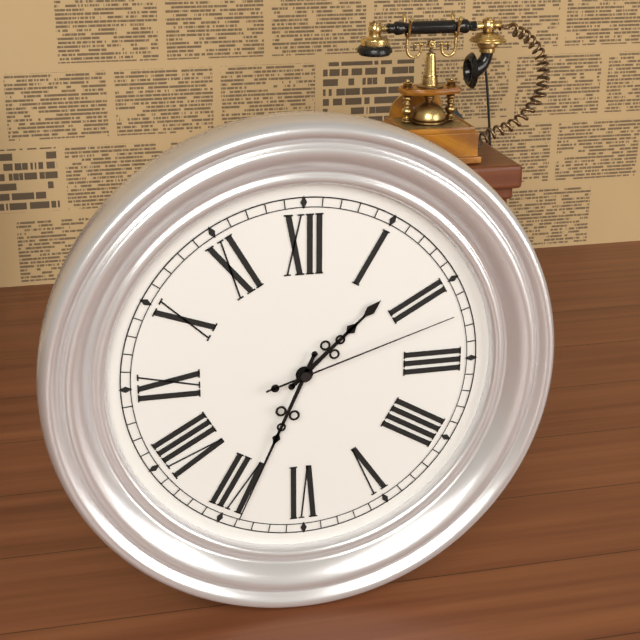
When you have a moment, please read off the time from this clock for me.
1:34:12
